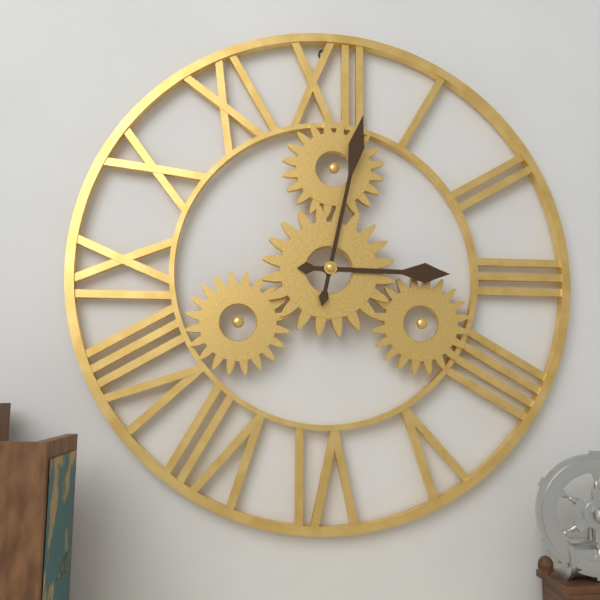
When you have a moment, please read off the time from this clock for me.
3:02
